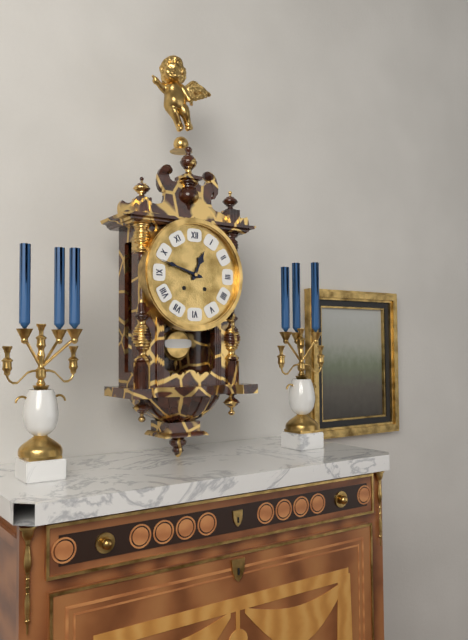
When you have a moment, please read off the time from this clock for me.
12:48
